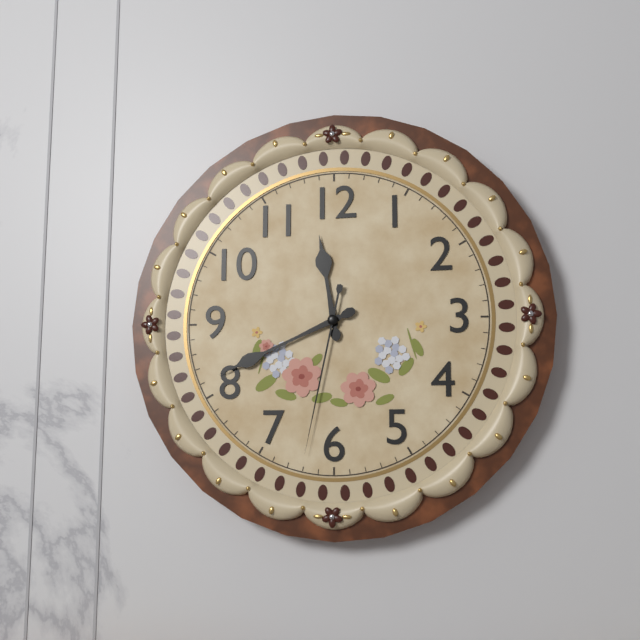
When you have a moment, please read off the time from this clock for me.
11:41:32
